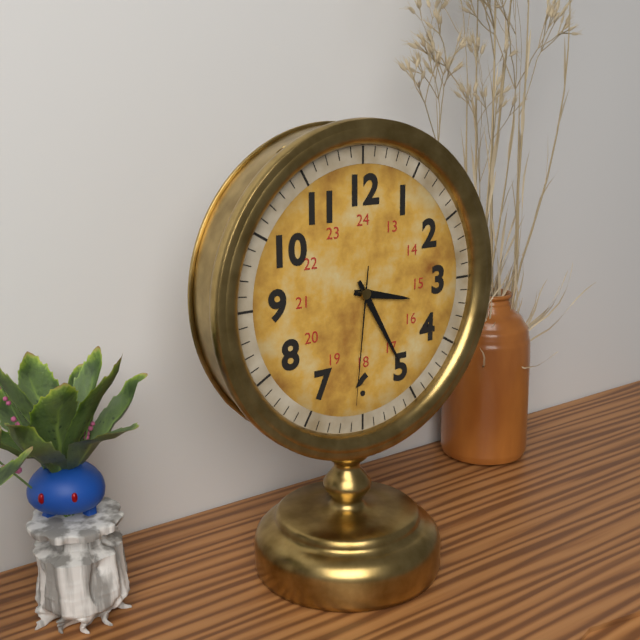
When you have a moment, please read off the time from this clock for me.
3:25:31
